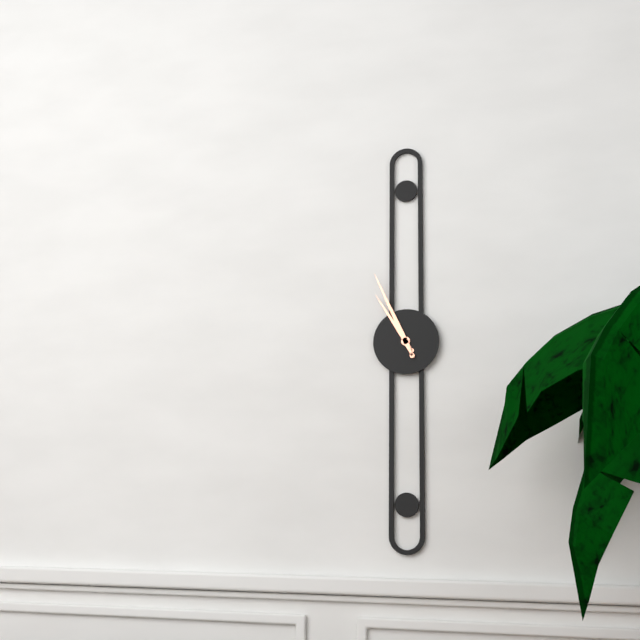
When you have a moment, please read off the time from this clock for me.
10:56
